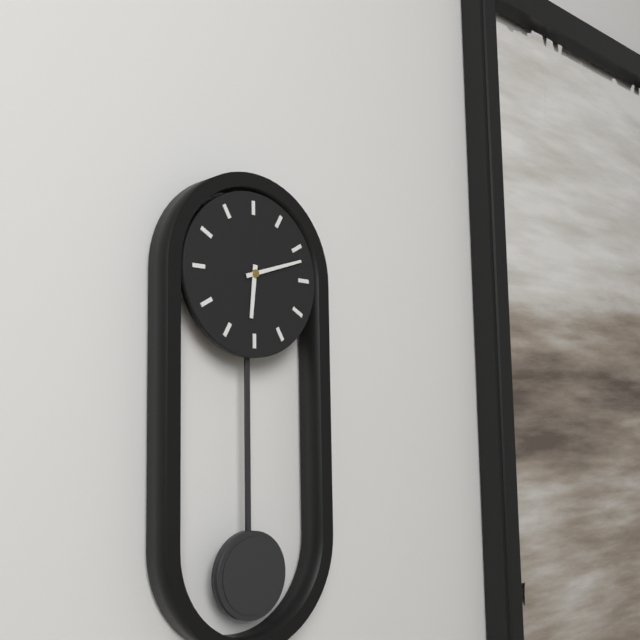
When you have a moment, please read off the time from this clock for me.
6:12
